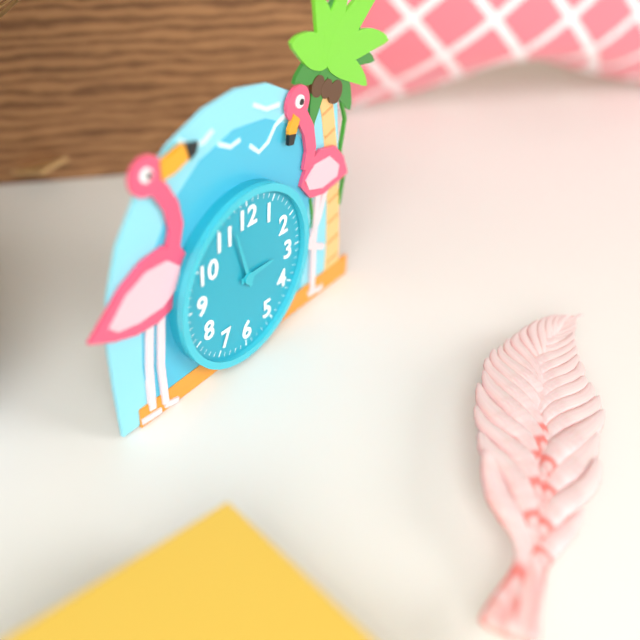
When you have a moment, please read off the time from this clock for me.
2:57
